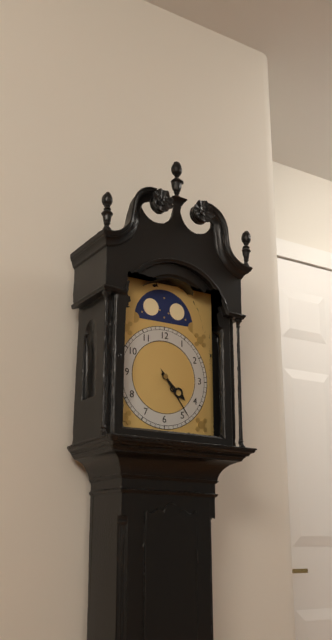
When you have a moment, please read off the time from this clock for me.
4:24
